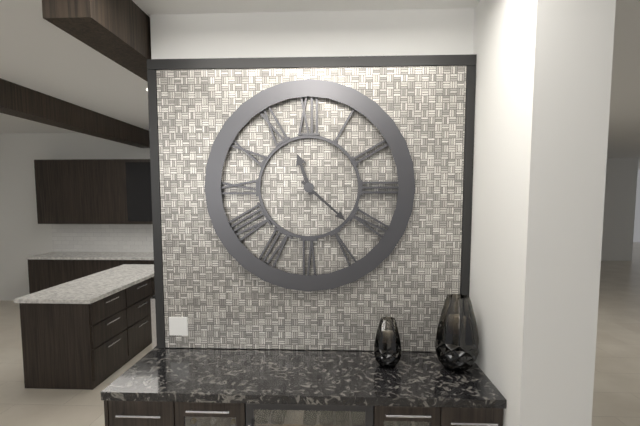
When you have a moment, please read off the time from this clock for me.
11:22
